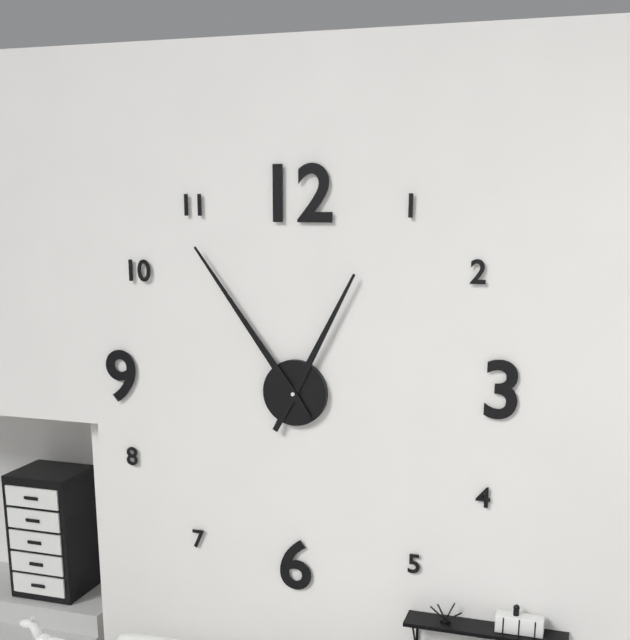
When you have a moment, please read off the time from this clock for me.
12:54
